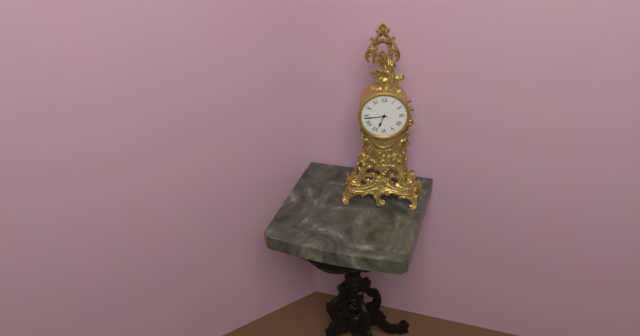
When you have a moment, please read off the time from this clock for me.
6:44
